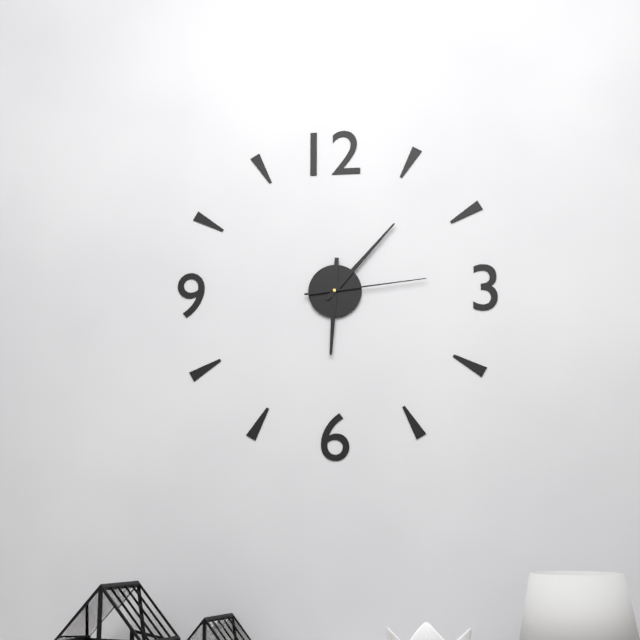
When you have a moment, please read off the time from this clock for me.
6:07:14
